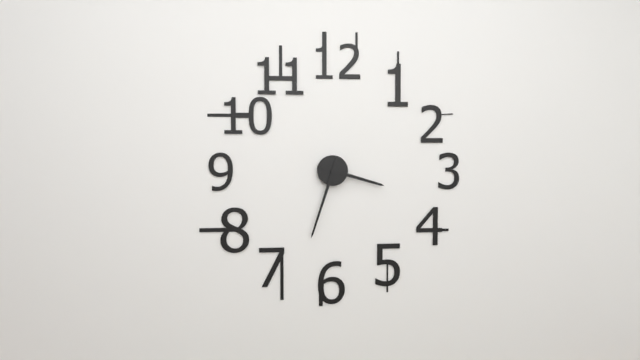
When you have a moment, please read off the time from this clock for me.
3:33
